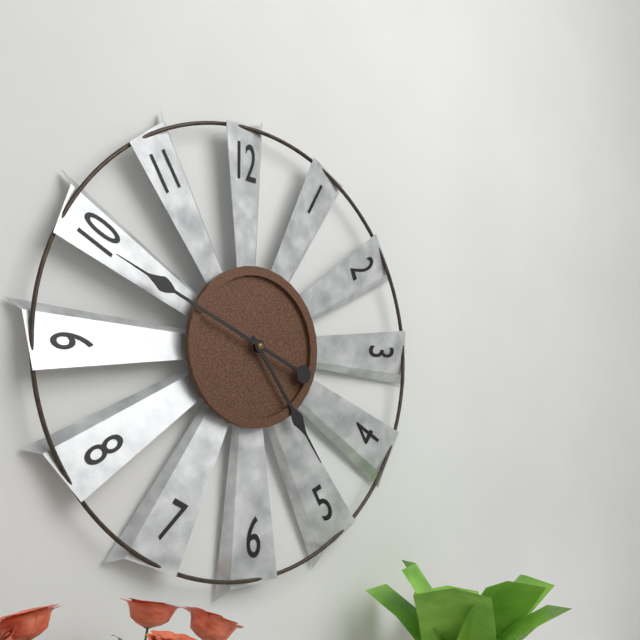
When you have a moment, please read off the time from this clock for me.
4:49
